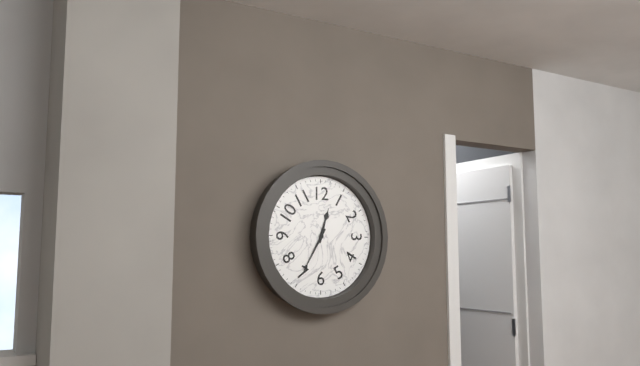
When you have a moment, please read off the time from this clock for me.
12:35
